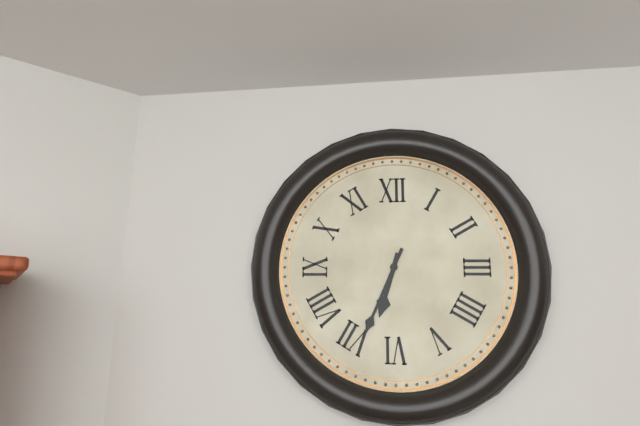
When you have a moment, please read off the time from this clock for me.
6:34
